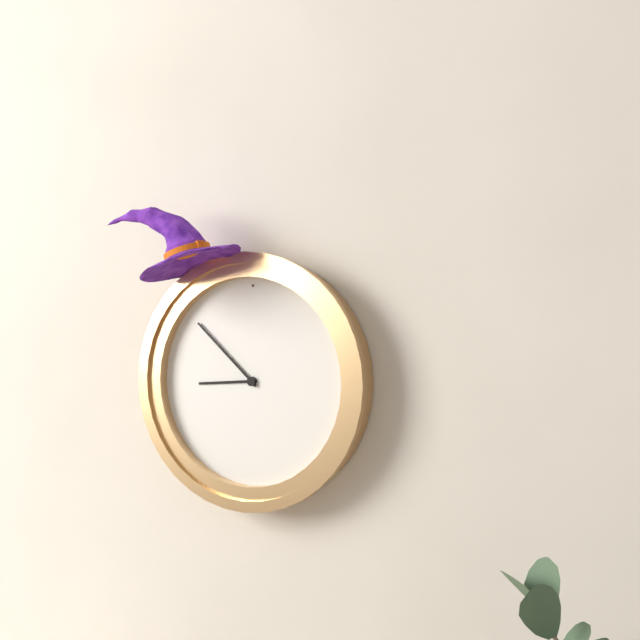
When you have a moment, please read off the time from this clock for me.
8:52
